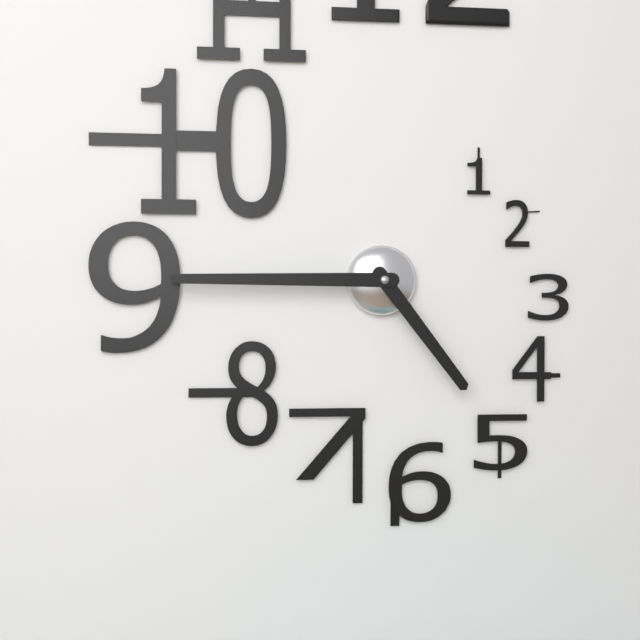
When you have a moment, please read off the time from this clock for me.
4:45
